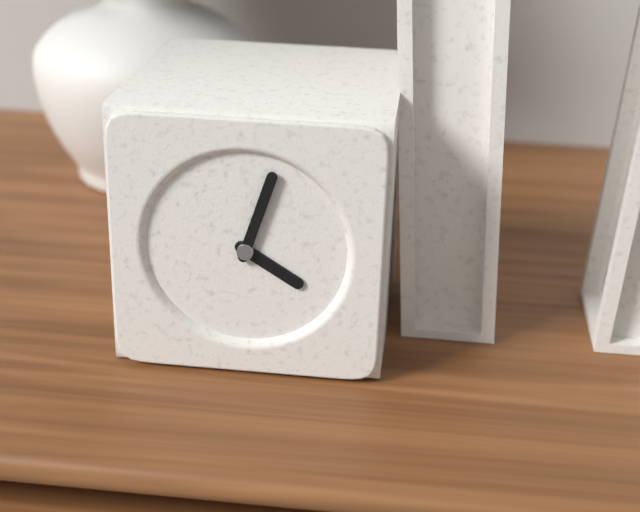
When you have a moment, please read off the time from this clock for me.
4:03
